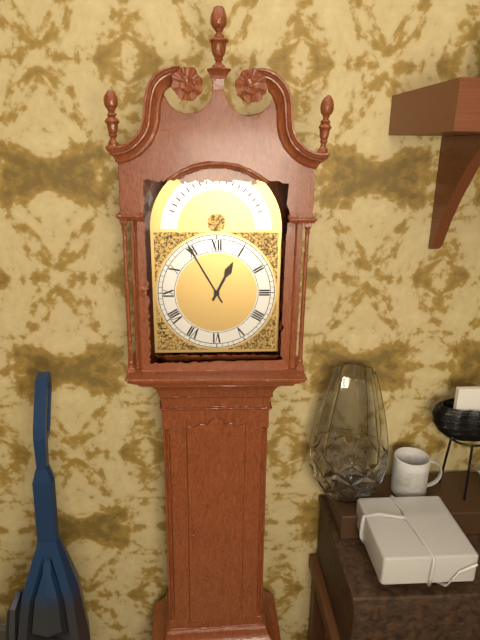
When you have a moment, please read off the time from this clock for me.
12:55
